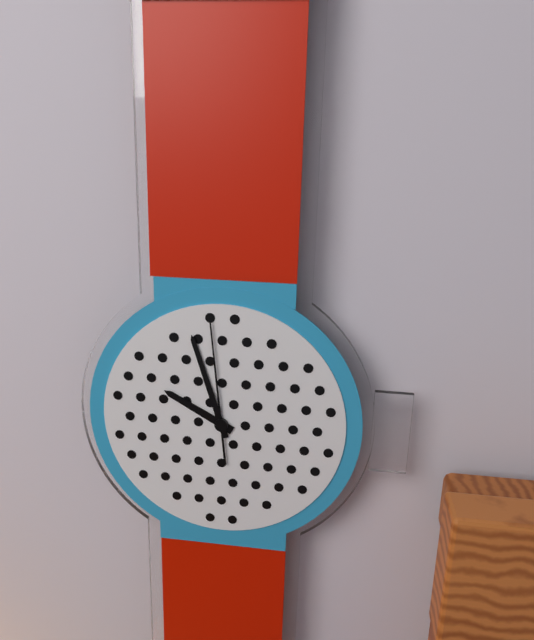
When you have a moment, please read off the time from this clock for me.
9:57:59
